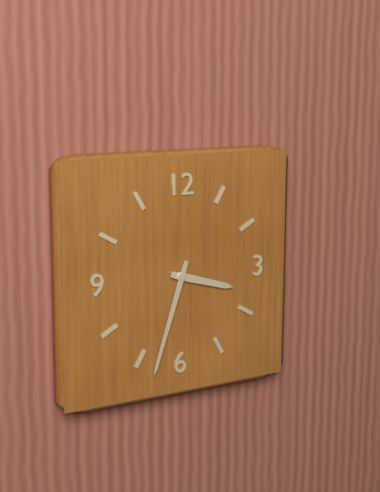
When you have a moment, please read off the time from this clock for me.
3:33
